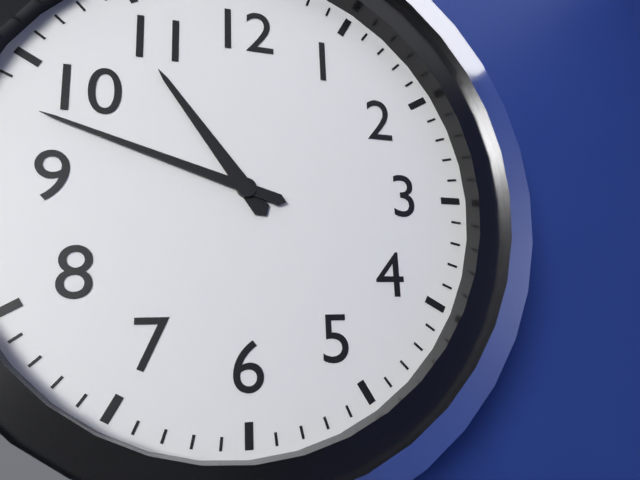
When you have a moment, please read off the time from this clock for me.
10:48
